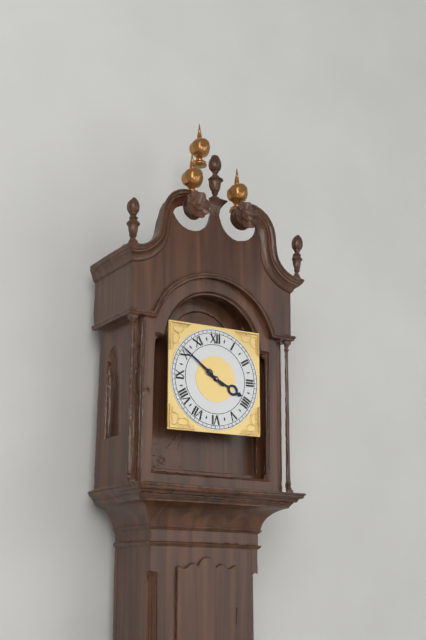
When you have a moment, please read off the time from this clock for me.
3:51
